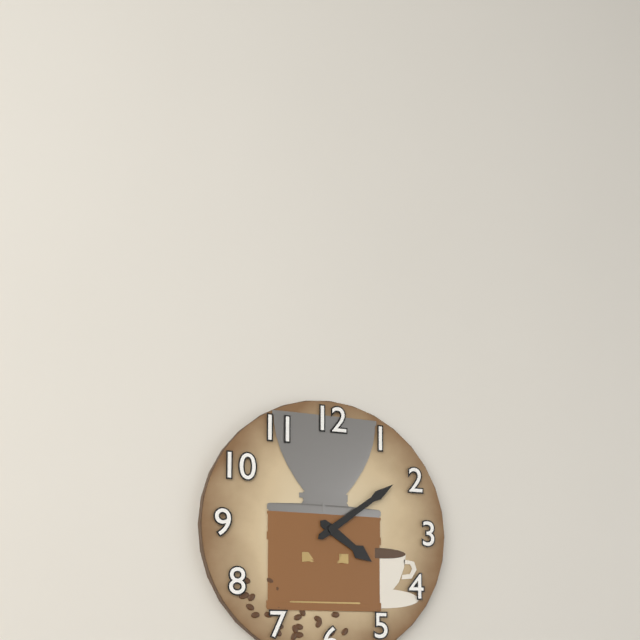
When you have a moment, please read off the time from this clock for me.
4:09
